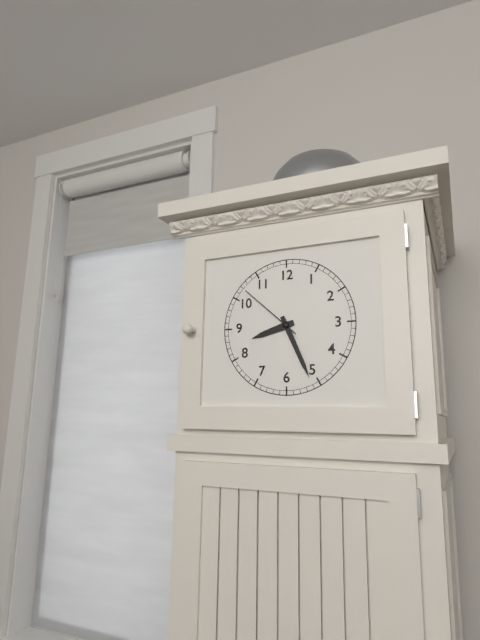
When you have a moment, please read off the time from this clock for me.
8:26:52
